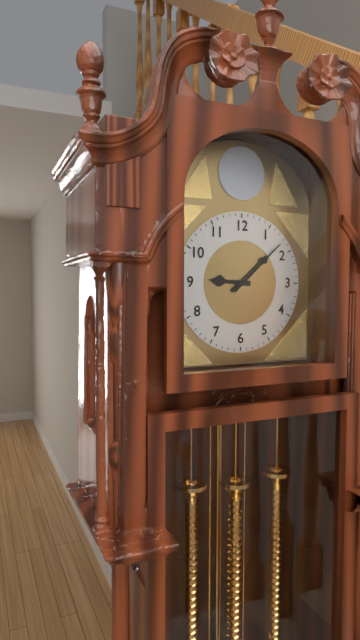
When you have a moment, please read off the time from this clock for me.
9:08
